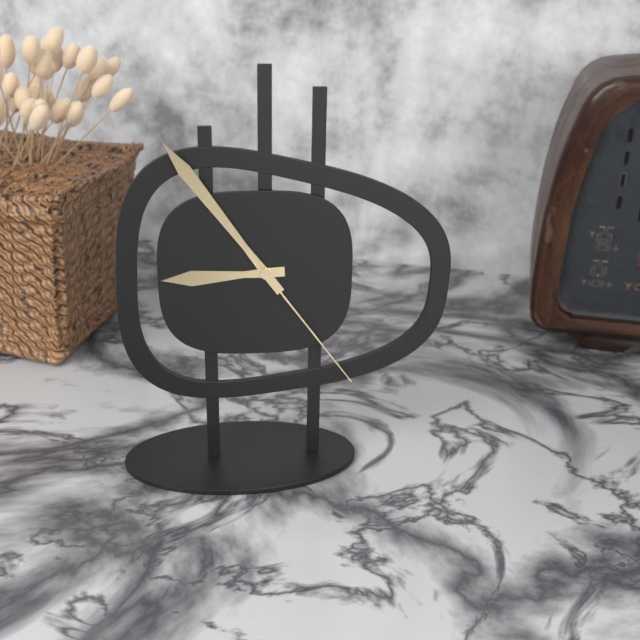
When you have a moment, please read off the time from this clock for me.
8:54:24
